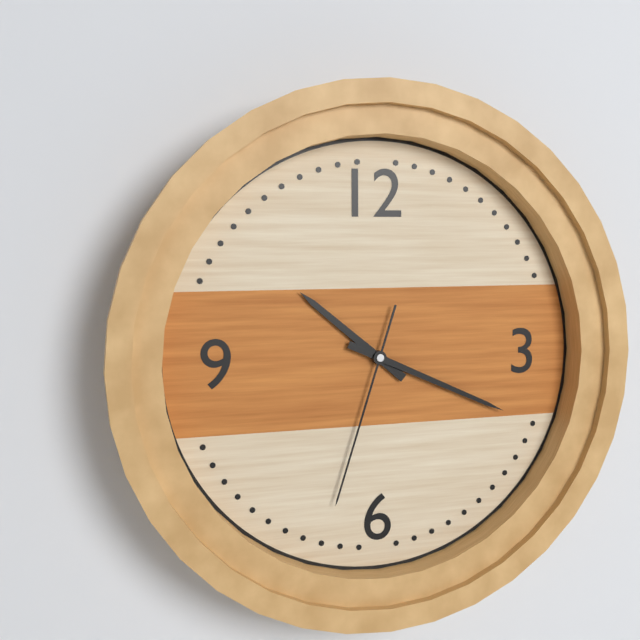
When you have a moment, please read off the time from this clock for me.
10:19:33
